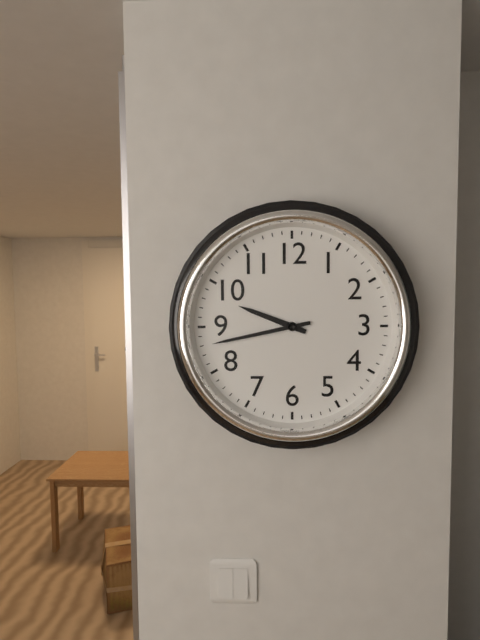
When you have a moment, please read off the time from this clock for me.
9:43
